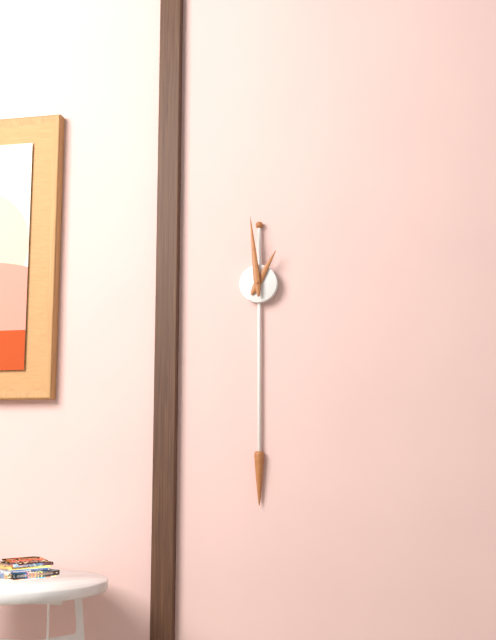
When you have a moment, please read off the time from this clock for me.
12:59
